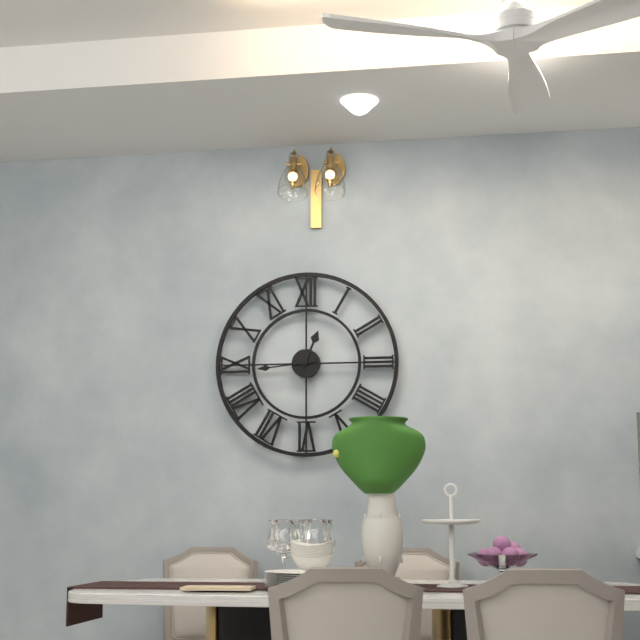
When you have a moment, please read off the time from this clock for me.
12:44
